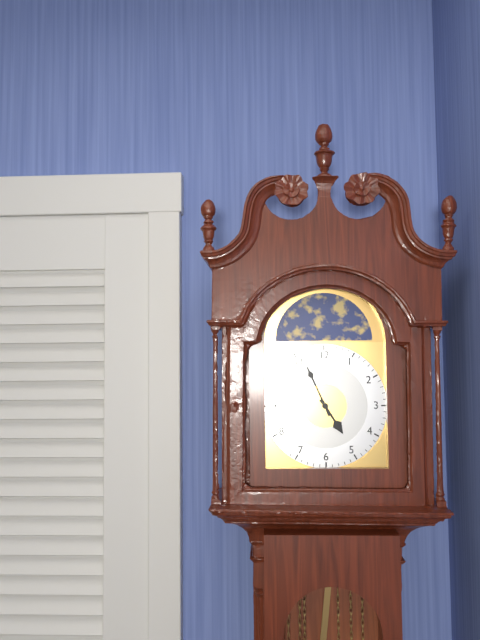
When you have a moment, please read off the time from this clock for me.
4:56
